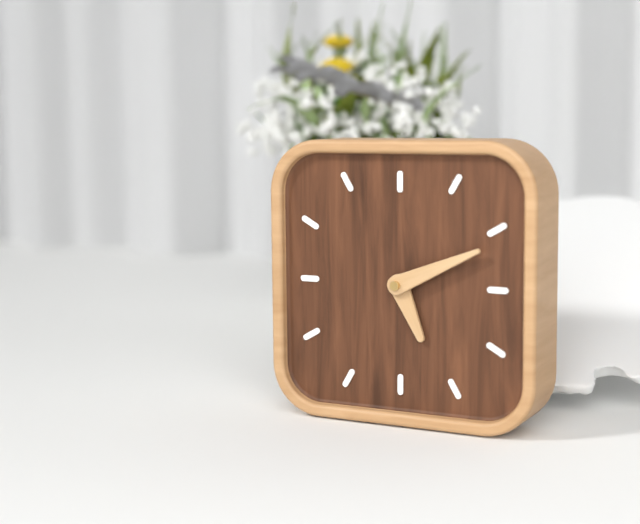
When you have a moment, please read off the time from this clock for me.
5:11
